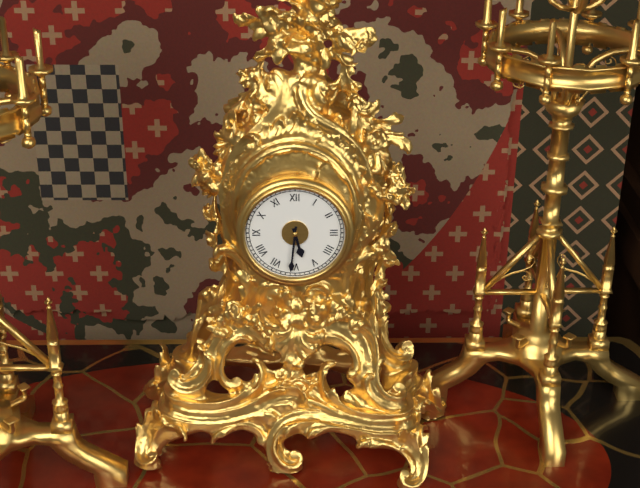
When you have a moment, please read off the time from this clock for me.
5:31
